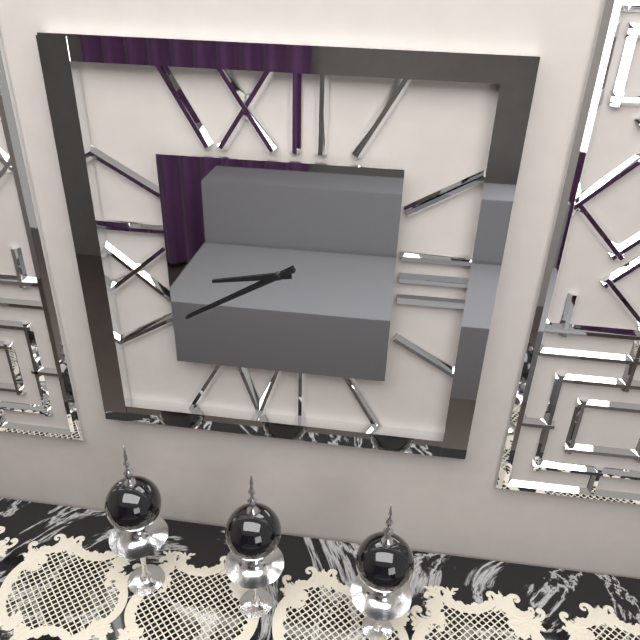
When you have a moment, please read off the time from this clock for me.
8:40
